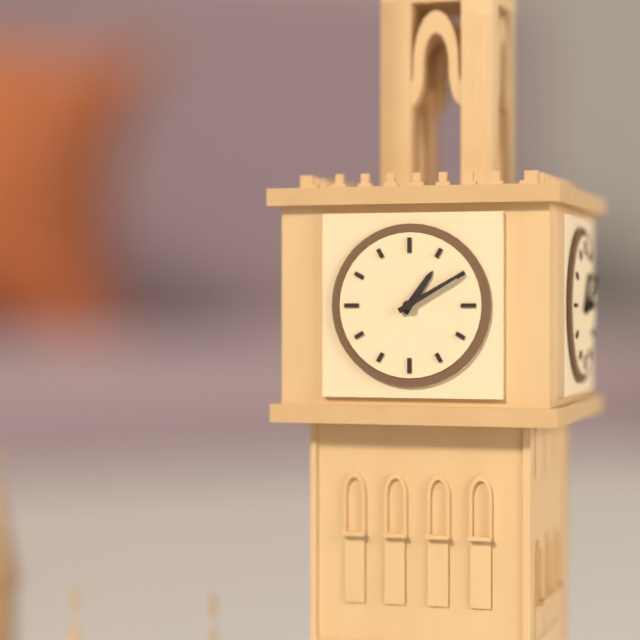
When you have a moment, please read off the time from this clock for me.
1:10
